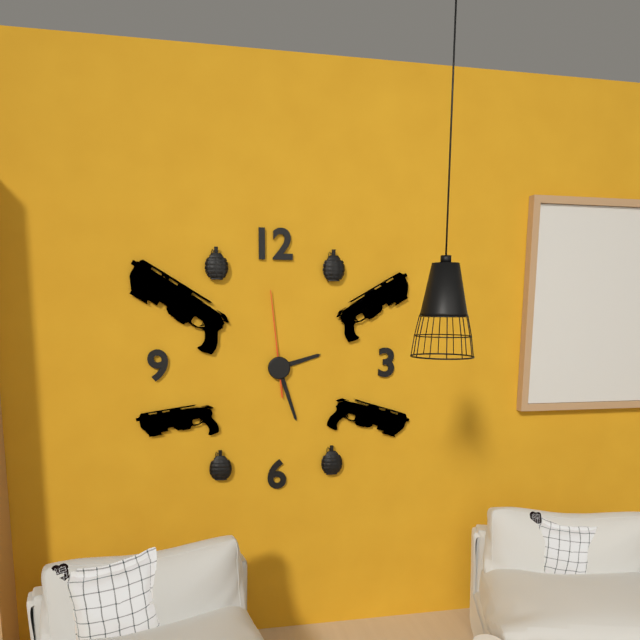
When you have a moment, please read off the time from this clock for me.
2:27:59
